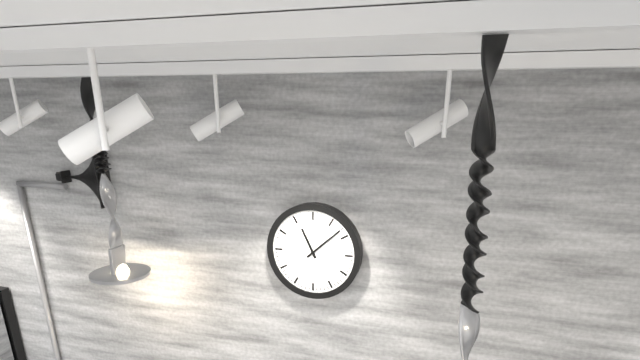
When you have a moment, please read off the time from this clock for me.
11:08
